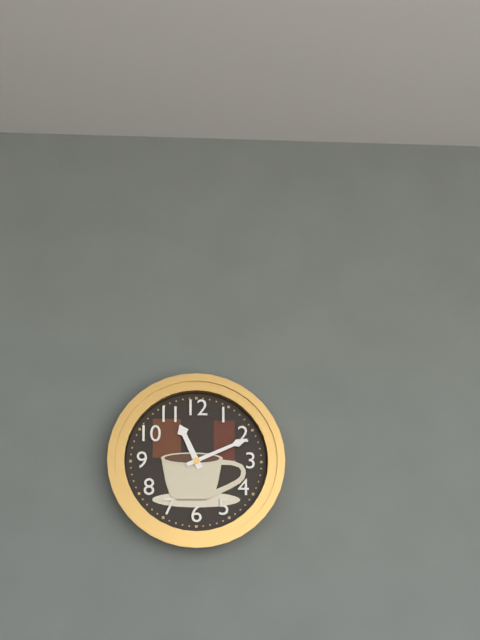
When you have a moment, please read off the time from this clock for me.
11:11
